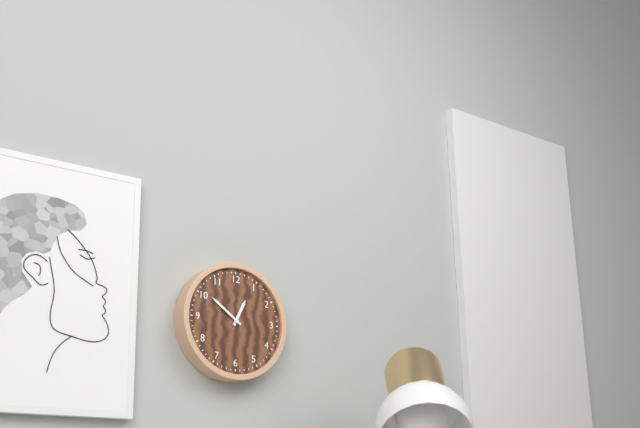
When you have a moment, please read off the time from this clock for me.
12:51
